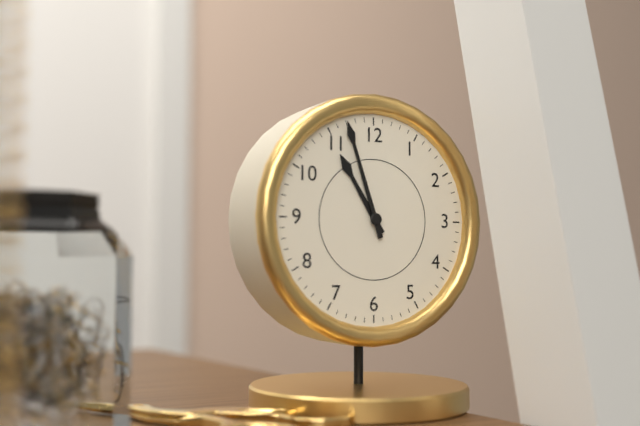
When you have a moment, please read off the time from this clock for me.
10:57
